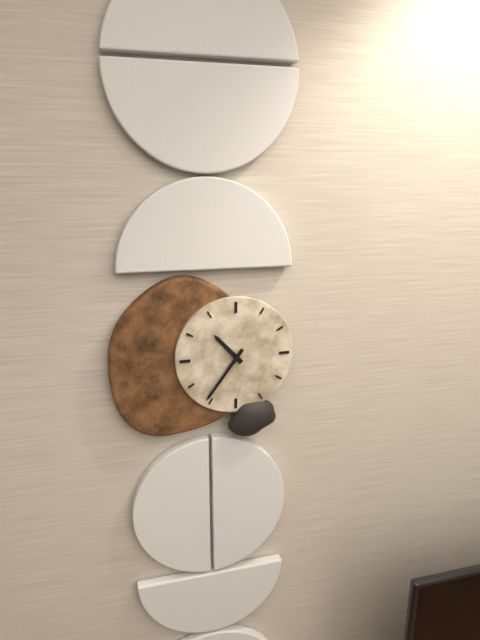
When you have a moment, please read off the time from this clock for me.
10:36
